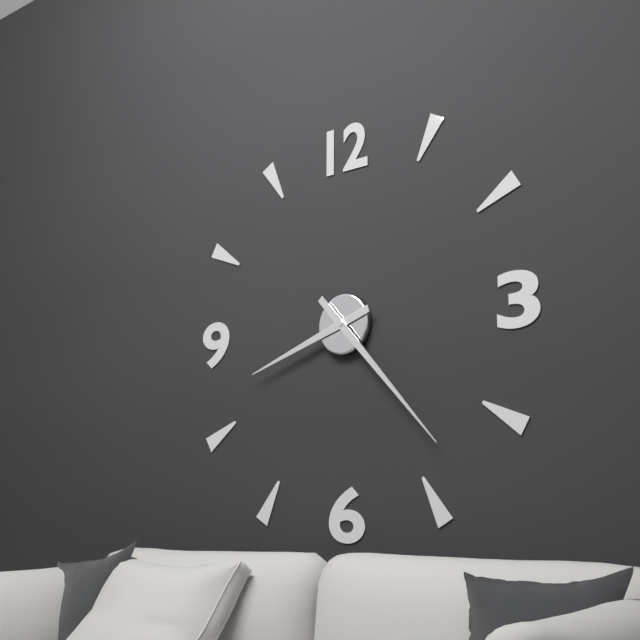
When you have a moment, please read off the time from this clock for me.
8:23
